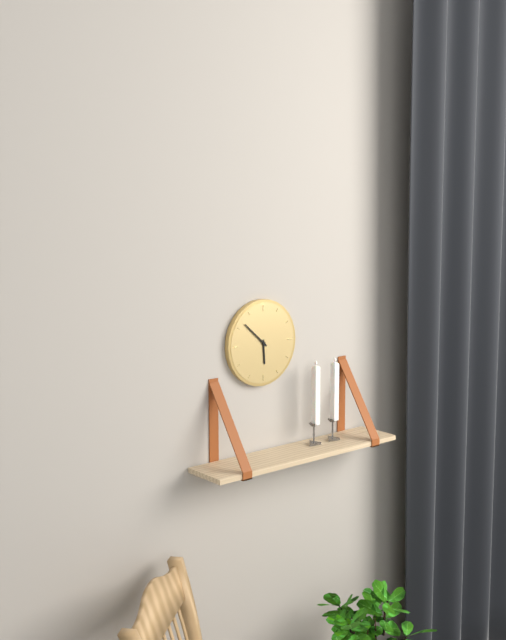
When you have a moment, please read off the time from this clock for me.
5:52
